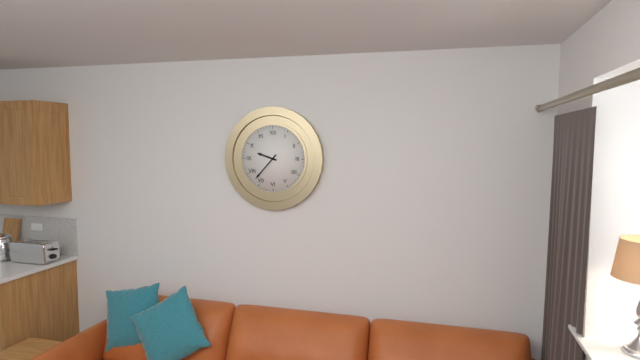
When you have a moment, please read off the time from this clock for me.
9:37
